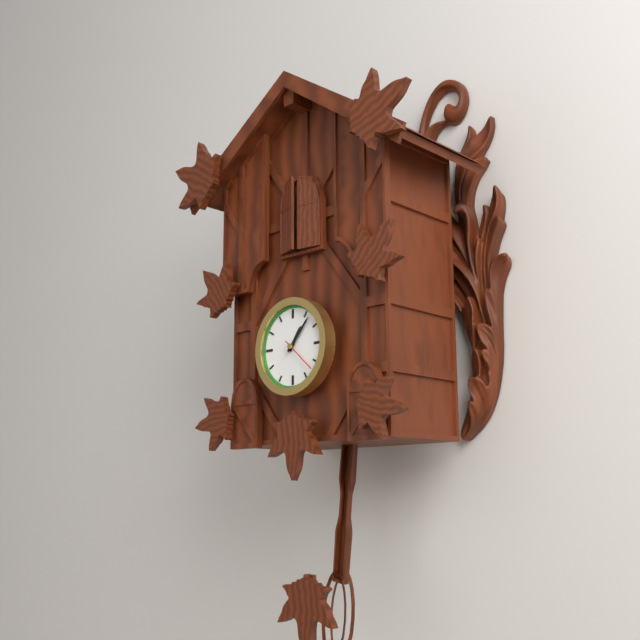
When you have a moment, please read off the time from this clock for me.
1:07
